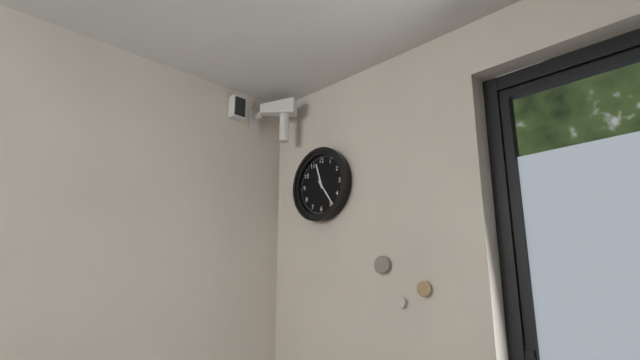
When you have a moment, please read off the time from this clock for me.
11:24
